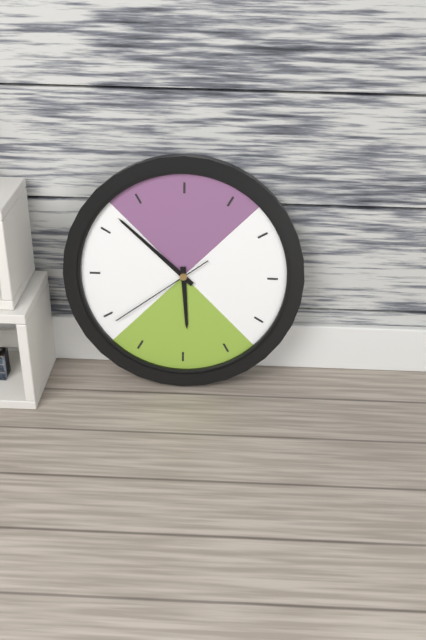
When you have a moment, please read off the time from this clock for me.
5:52:39
